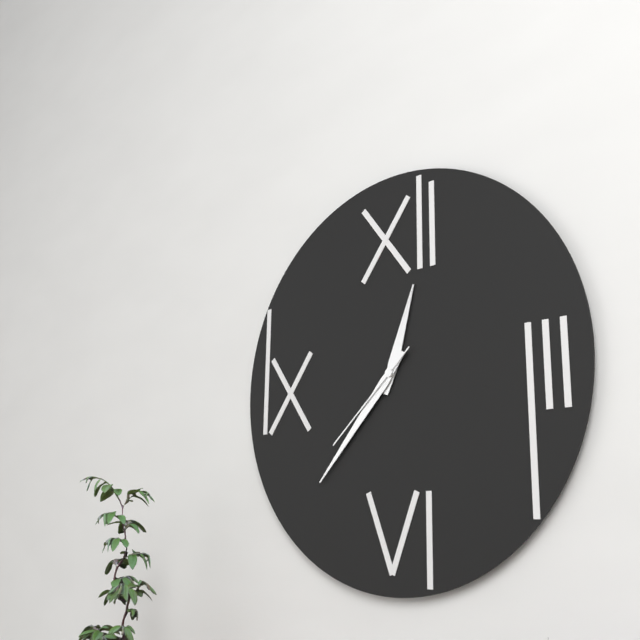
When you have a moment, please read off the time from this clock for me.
12:37:38
